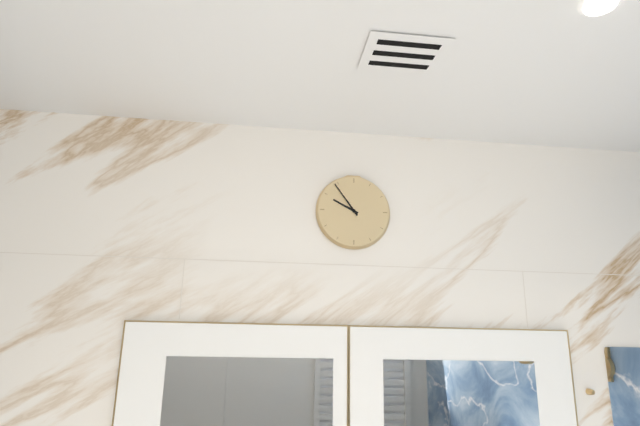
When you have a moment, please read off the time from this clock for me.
9:54
